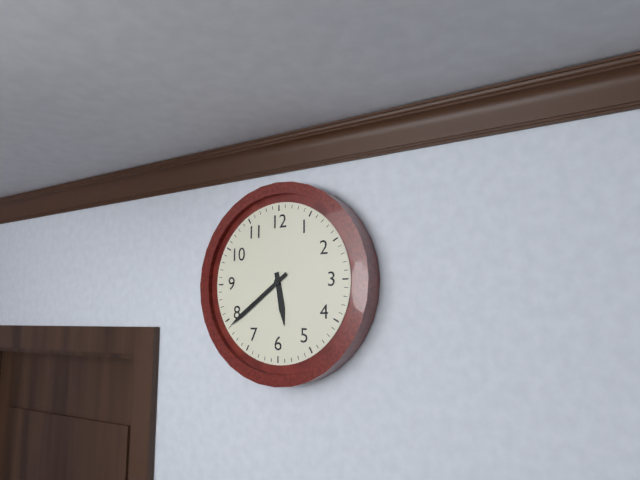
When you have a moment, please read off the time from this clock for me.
5:39
